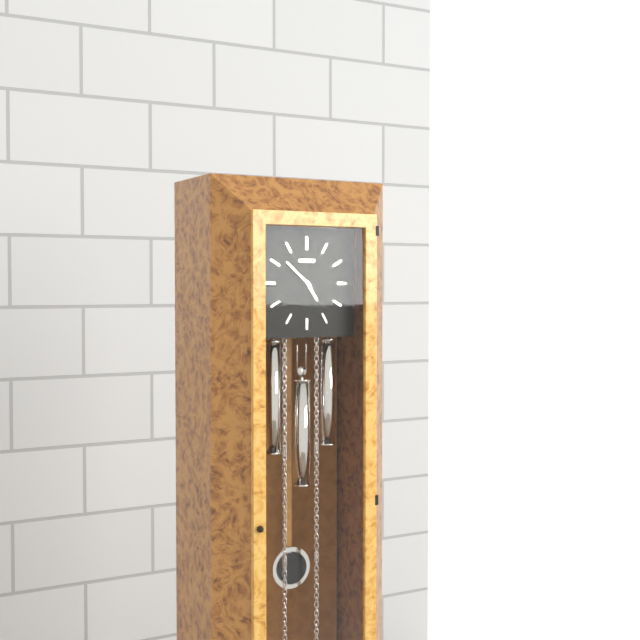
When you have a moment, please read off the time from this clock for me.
4:52
